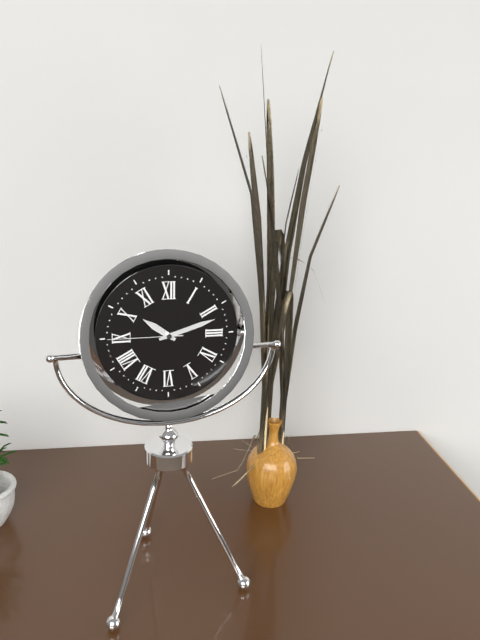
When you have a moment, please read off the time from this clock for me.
10:12:45
